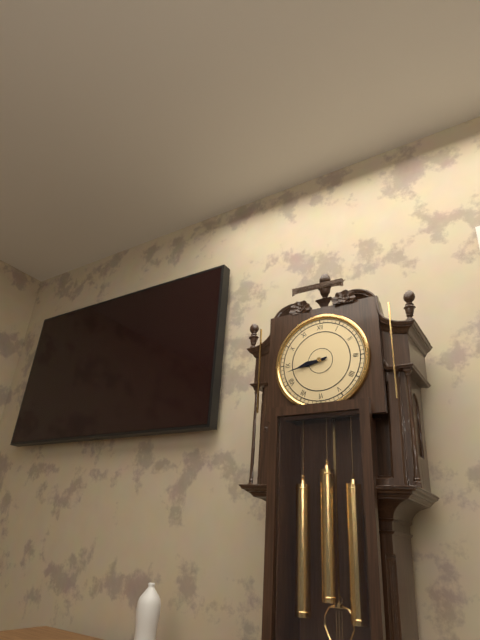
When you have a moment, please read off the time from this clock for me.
8:43
